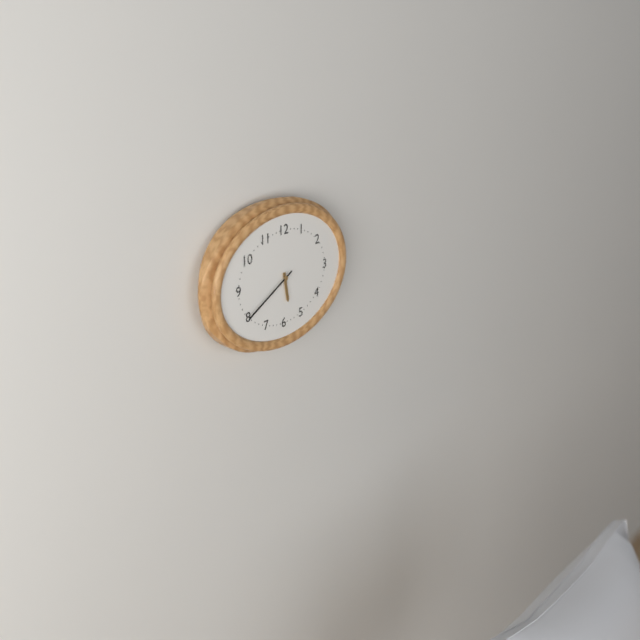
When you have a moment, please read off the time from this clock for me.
5:40
